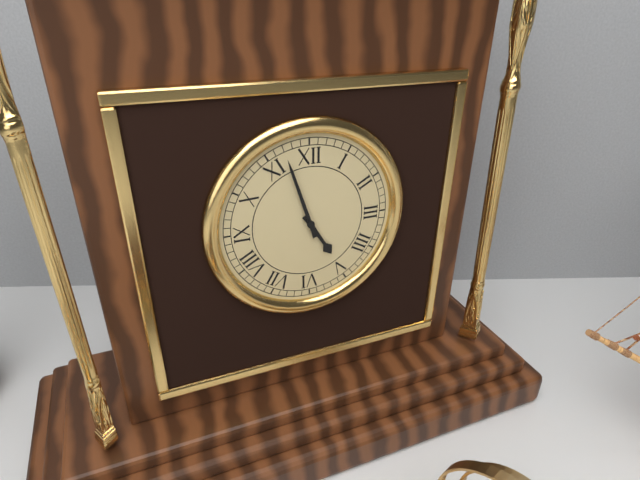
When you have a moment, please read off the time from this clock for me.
4:57
